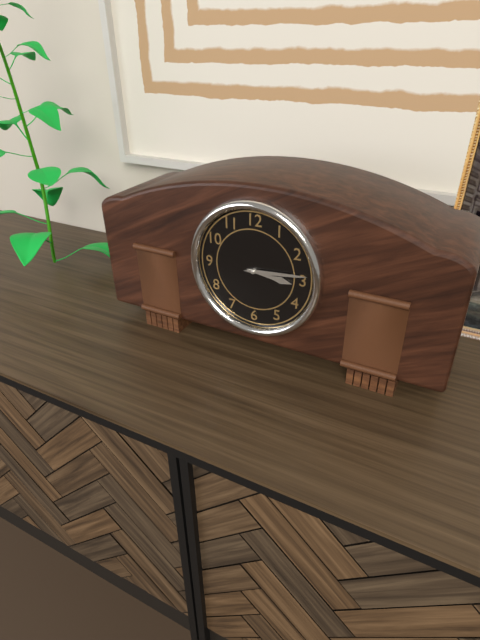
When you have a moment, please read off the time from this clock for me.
3:14
